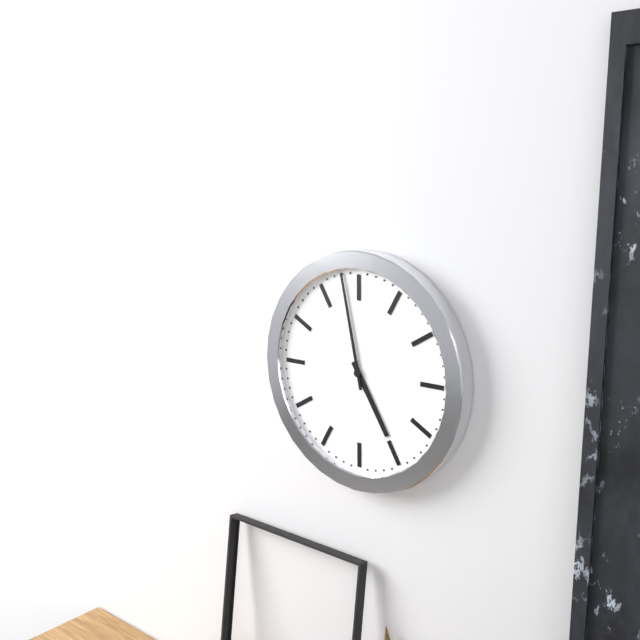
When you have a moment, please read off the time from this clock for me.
4:58
